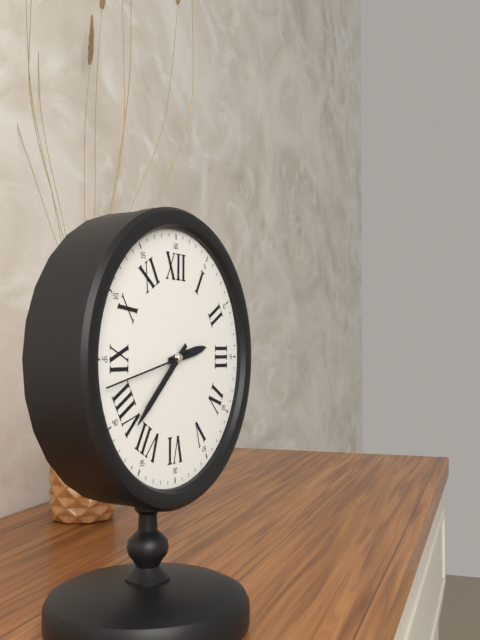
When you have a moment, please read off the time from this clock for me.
2:38:43
